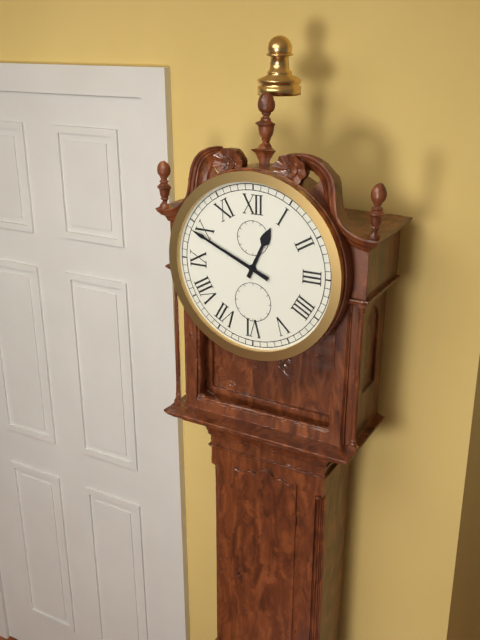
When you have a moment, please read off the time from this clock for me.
12:49
